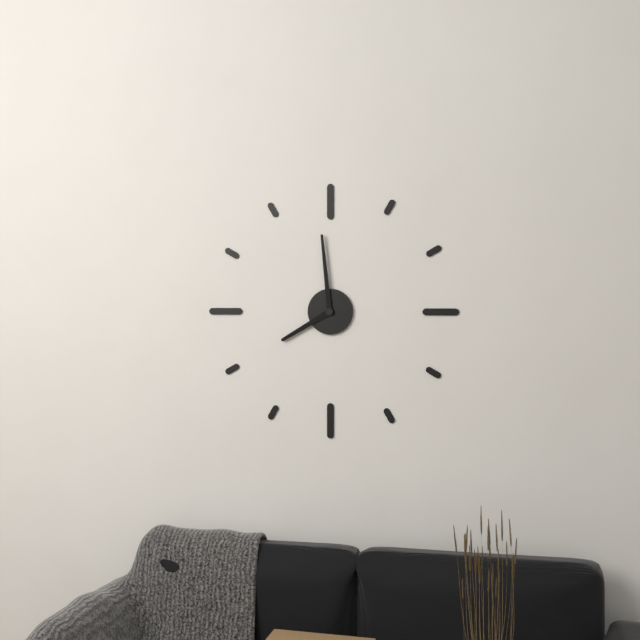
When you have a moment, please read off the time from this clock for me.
7:59
